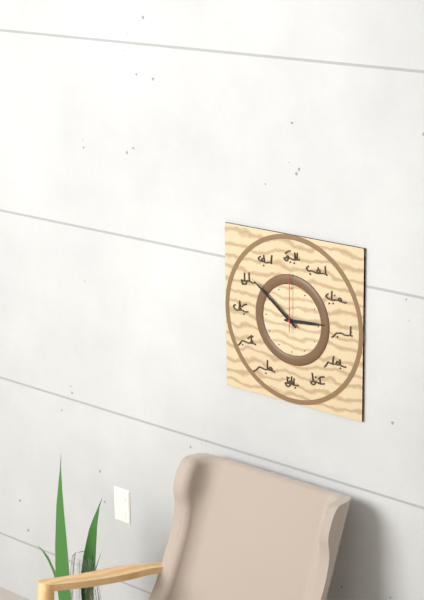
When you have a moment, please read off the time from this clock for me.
2:51:00
